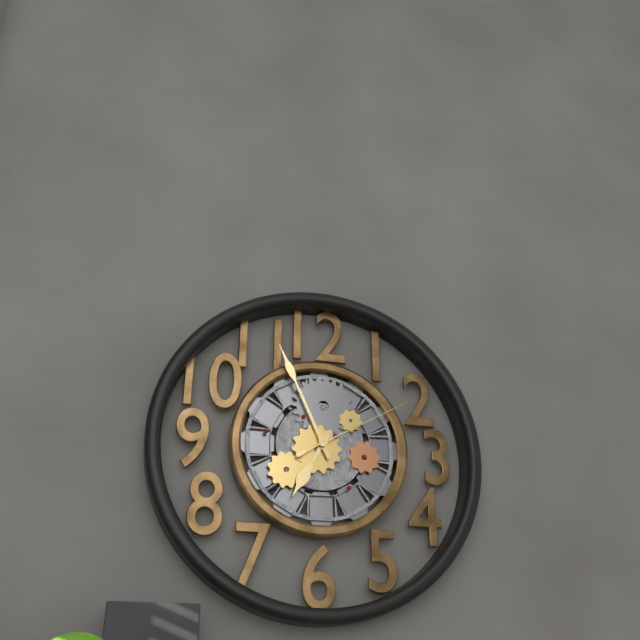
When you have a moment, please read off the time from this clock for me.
6:56:10
